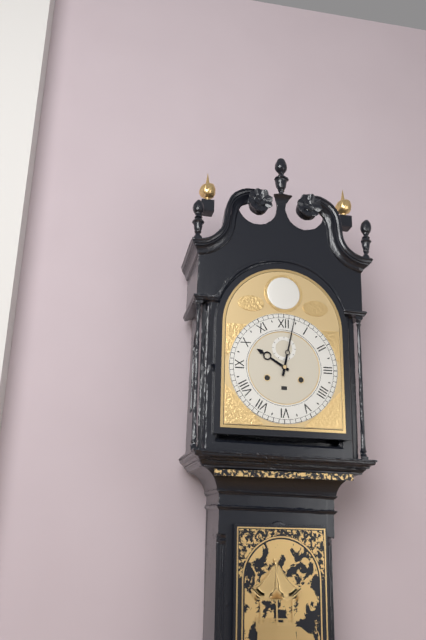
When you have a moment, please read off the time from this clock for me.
10:02
